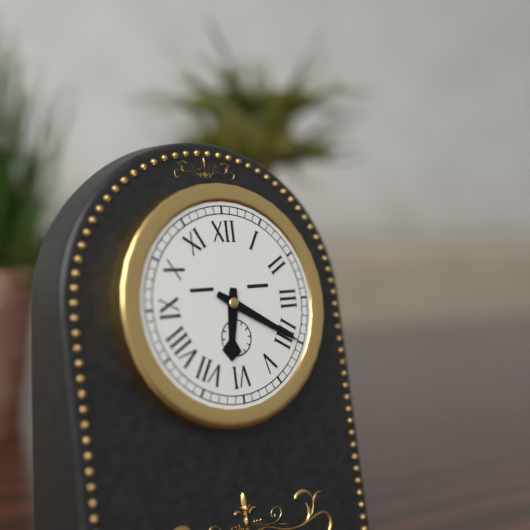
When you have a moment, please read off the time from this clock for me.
6:20
